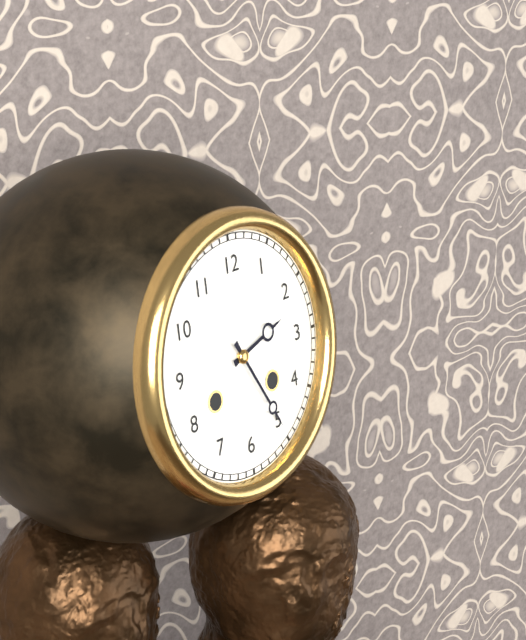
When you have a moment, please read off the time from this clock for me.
2:25
